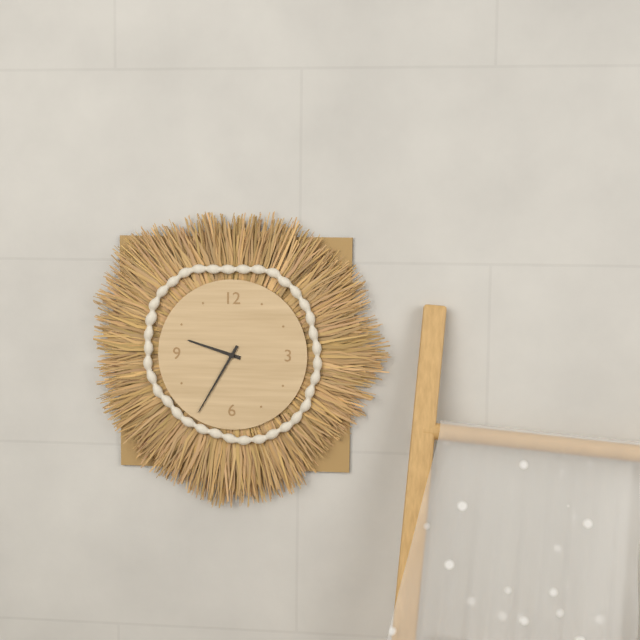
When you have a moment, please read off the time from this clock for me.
9:35
